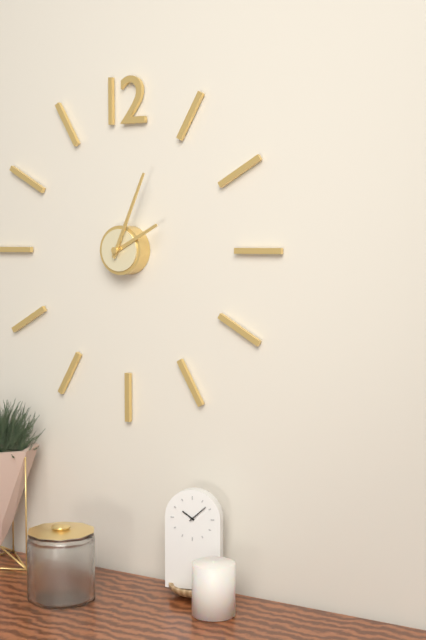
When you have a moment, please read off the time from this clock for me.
2:04
